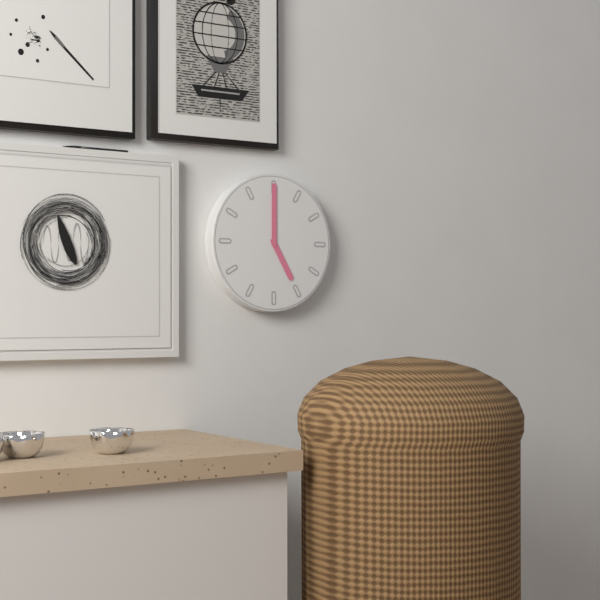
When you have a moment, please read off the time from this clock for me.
5:00
